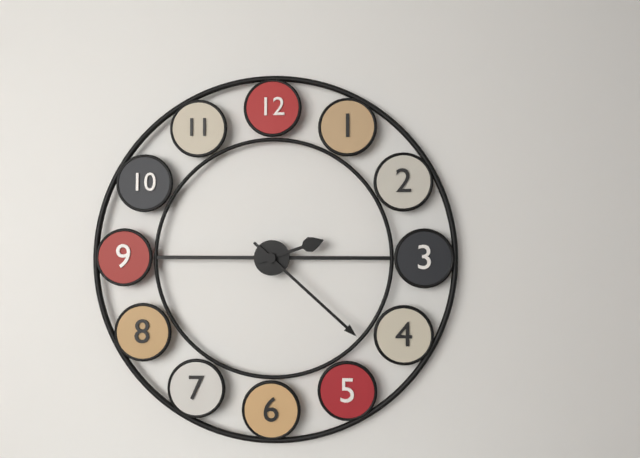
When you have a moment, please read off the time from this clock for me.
2:22
